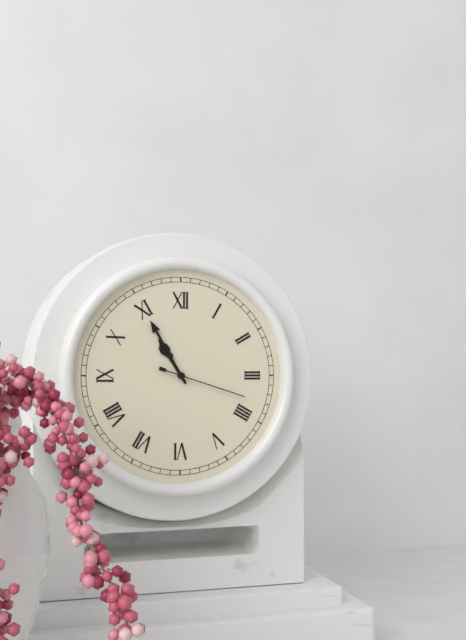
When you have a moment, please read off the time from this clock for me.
10:55:18
